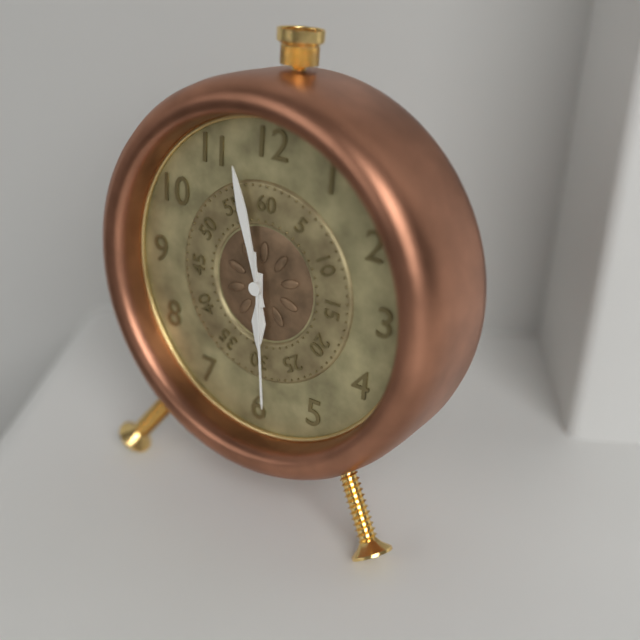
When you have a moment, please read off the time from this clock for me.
5:57:29
